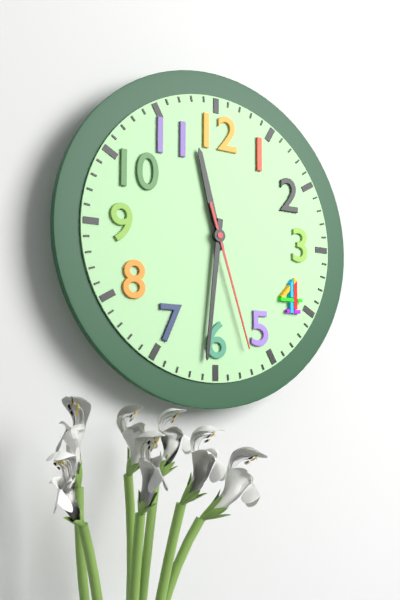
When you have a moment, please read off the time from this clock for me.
11:31:27
